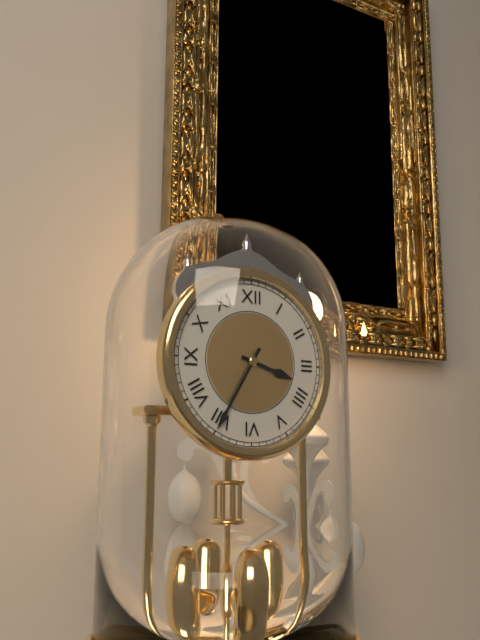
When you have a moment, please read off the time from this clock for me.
3:35
